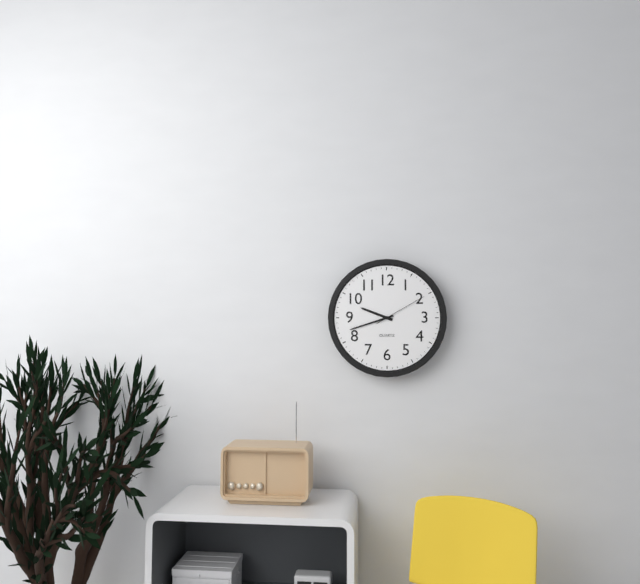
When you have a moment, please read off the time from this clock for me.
9:42:10
